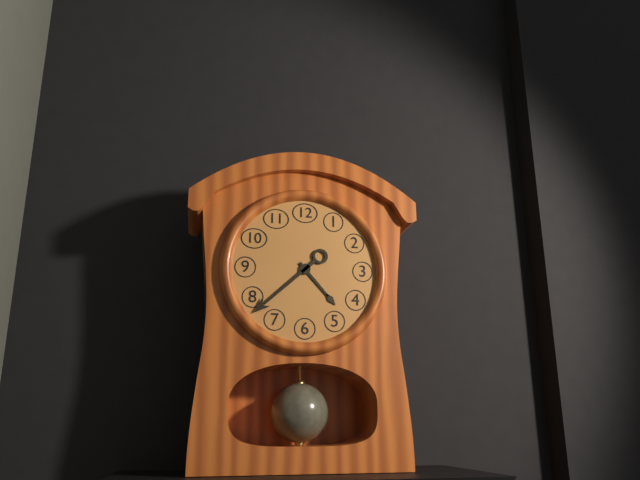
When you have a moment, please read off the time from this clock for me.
4:38
